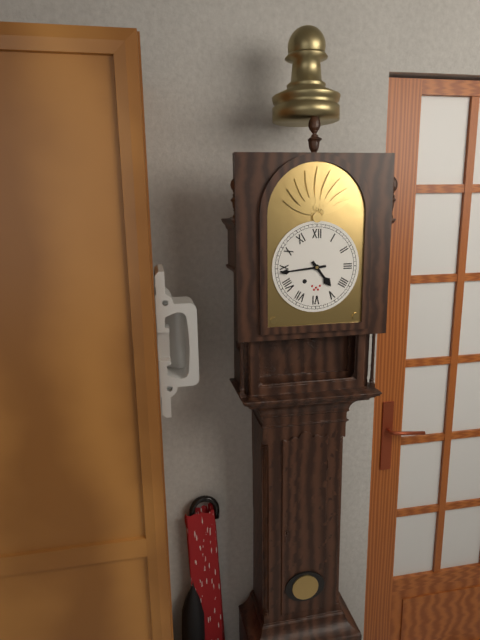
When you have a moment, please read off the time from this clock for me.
4:44
